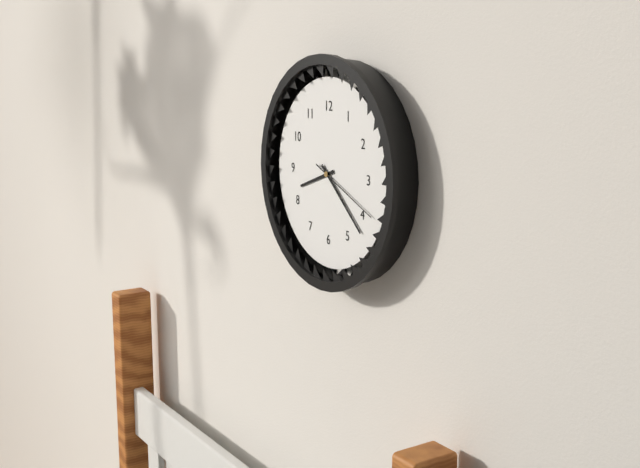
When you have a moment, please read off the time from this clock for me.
8:22:19
